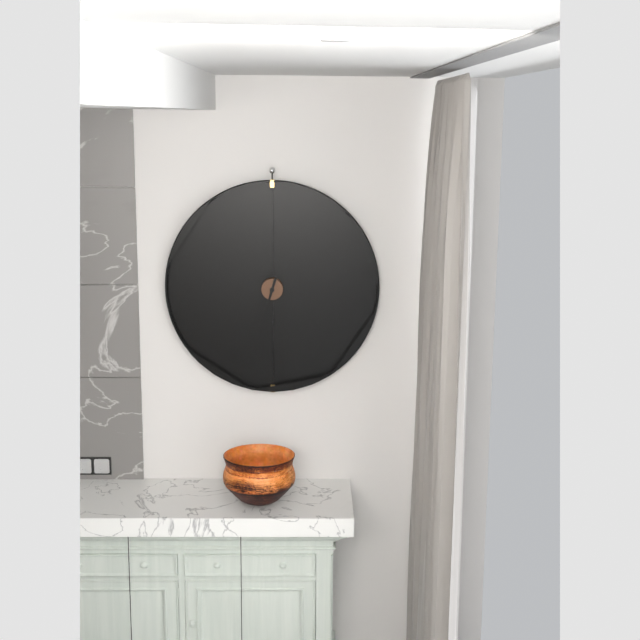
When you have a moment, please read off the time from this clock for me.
6:33
